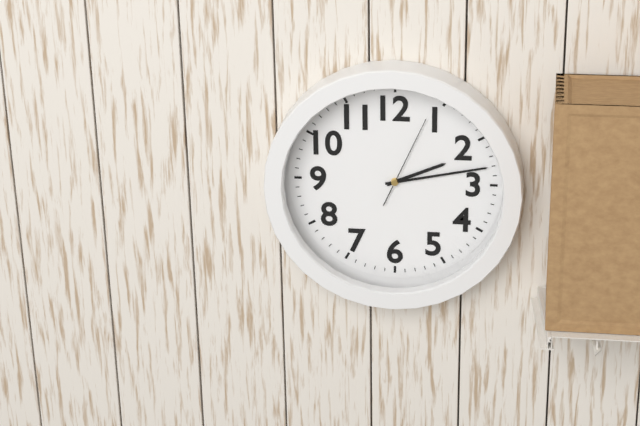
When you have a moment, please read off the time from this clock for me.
2:13:04
